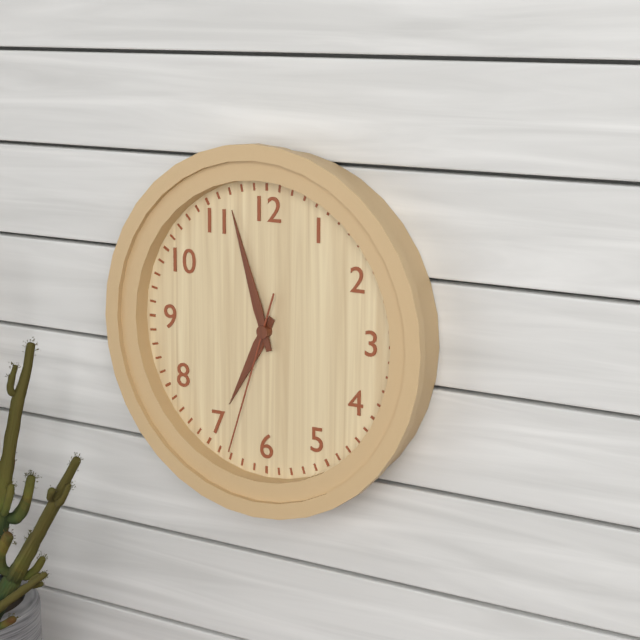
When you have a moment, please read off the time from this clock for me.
6:57:33
